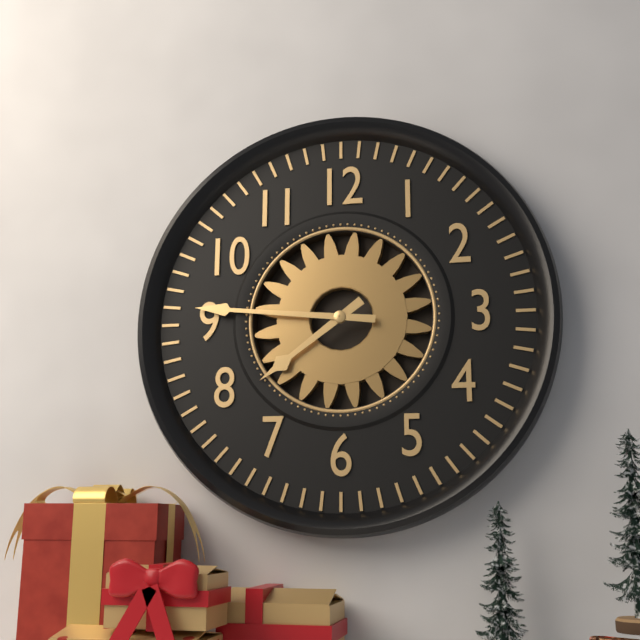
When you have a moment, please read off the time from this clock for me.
7:46
